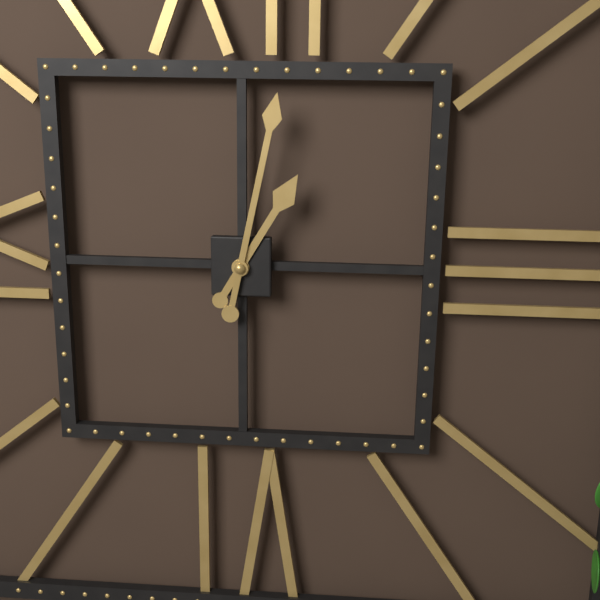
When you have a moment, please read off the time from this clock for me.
1:02
